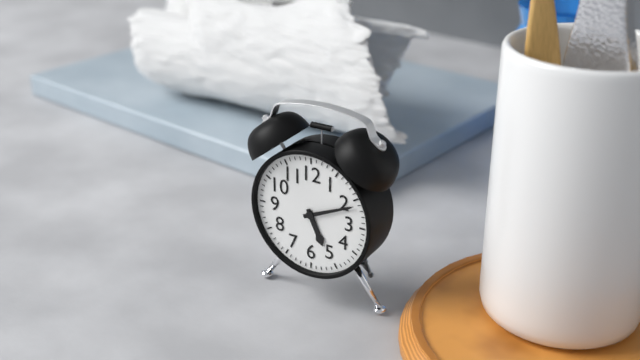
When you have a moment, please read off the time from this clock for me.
5:11
